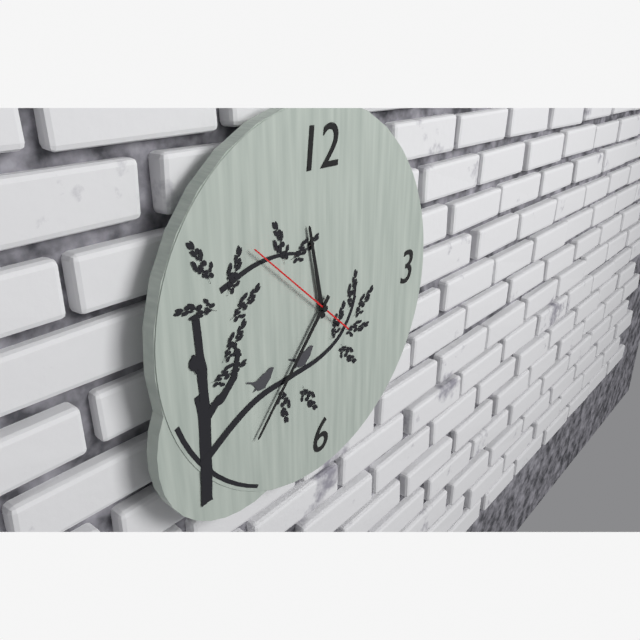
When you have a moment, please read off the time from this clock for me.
11:37:52
